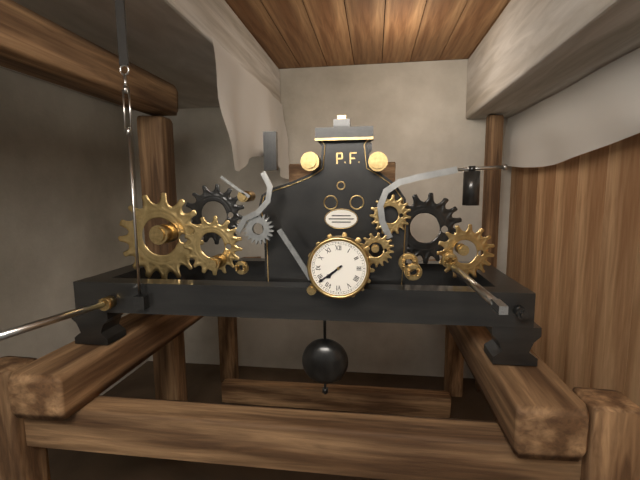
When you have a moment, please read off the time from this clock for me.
7:39
